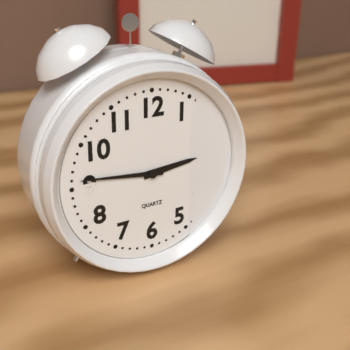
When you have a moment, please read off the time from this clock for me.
2:46
